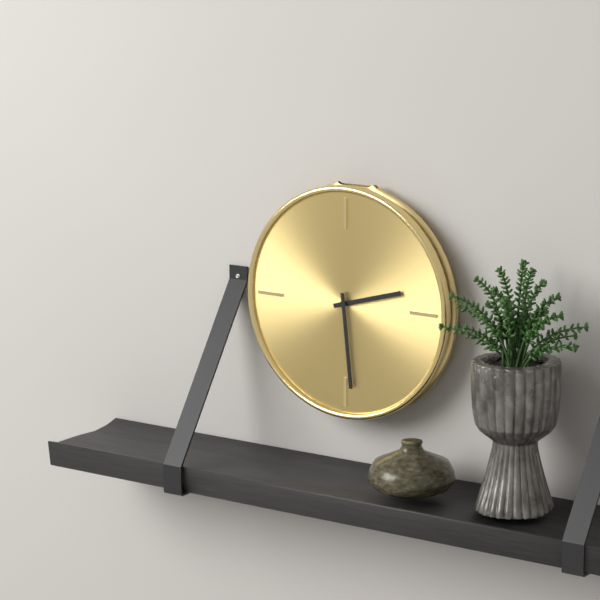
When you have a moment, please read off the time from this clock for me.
2:29
